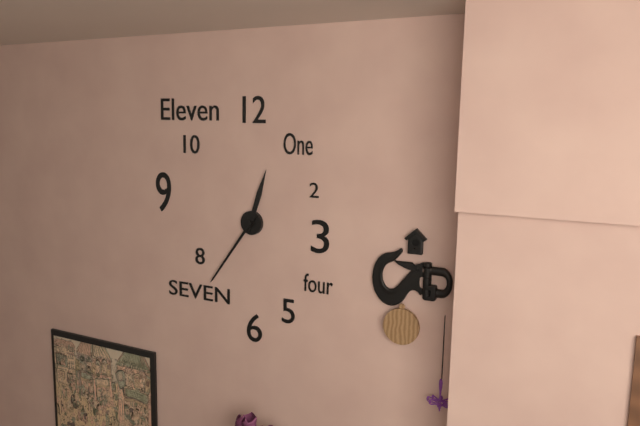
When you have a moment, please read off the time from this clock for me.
12:36
